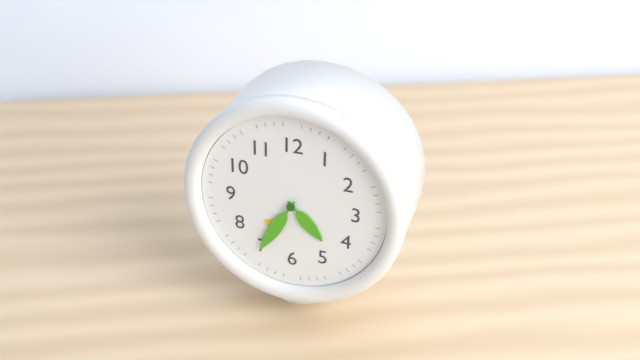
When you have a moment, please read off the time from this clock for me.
4:35
